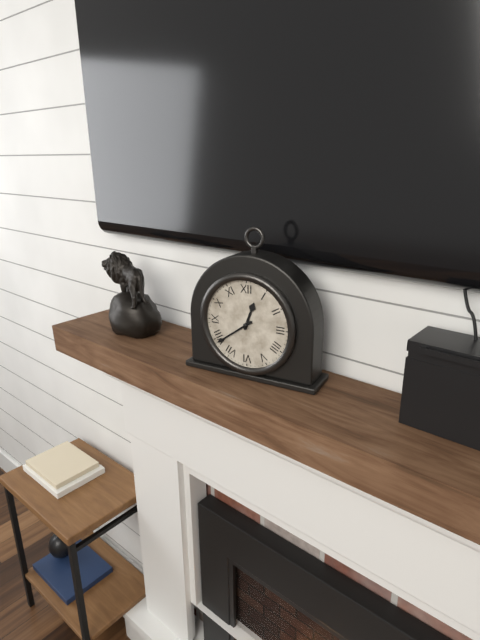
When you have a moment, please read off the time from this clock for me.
12:39
